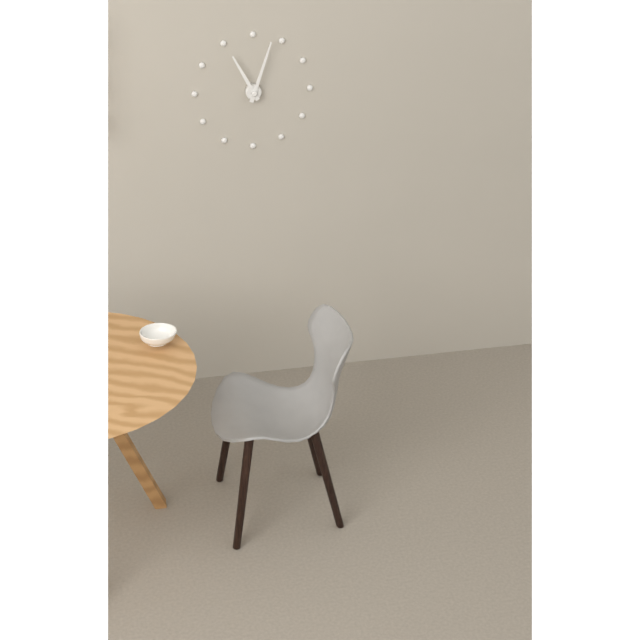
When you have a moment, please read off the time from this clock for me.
11:03
